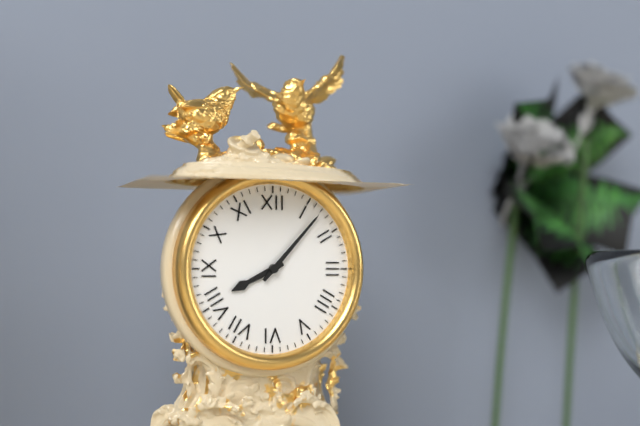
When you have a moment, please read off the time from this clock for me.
8:07
